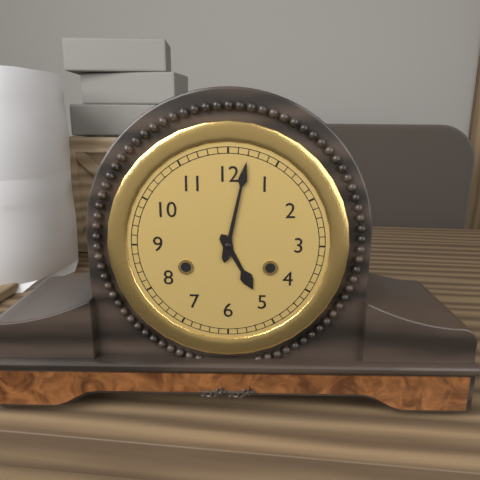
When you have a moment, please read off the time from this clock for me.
5:02
